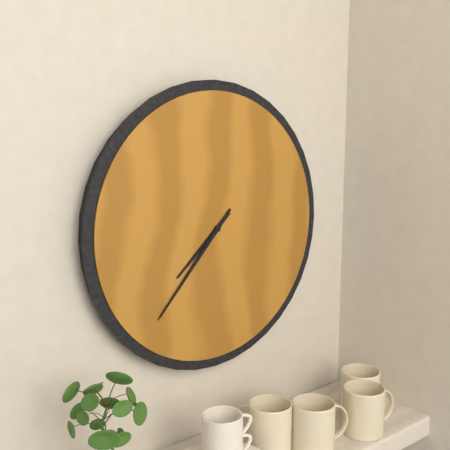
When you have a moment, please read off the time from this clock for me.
7:37
